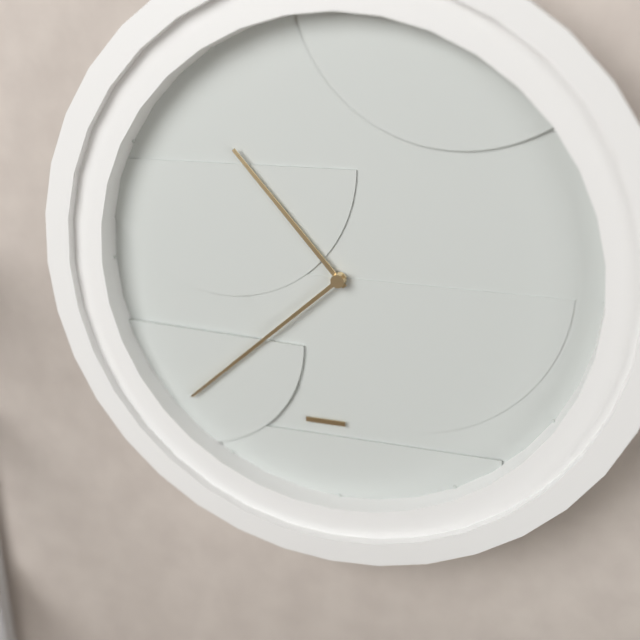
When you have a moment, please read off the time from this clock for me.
10:38
